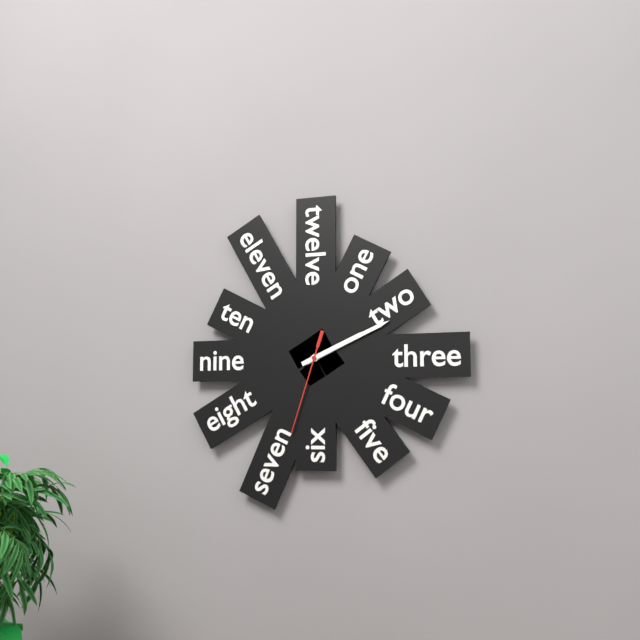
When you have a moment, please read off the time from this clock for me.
2:11:33
